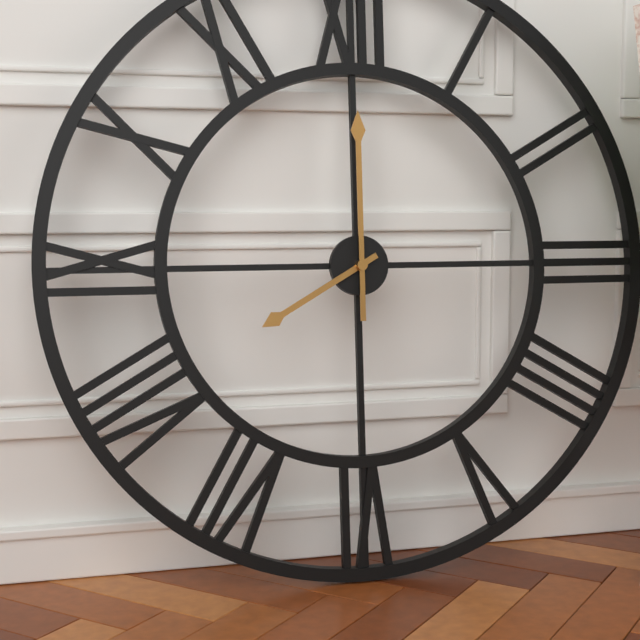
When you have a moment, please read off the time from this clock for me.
8:00
